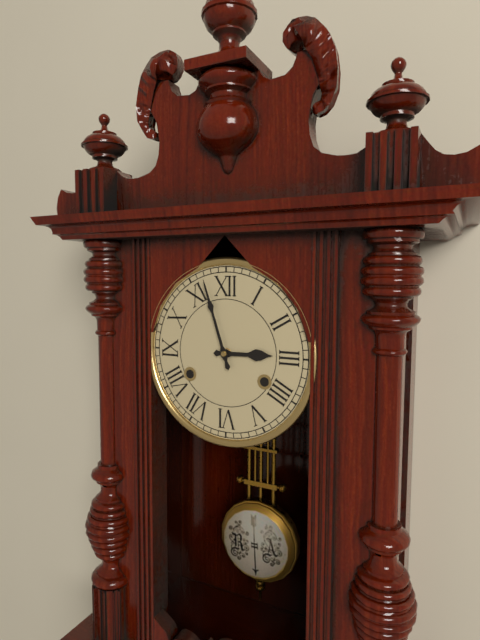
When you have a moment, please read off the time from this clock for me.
2:57
